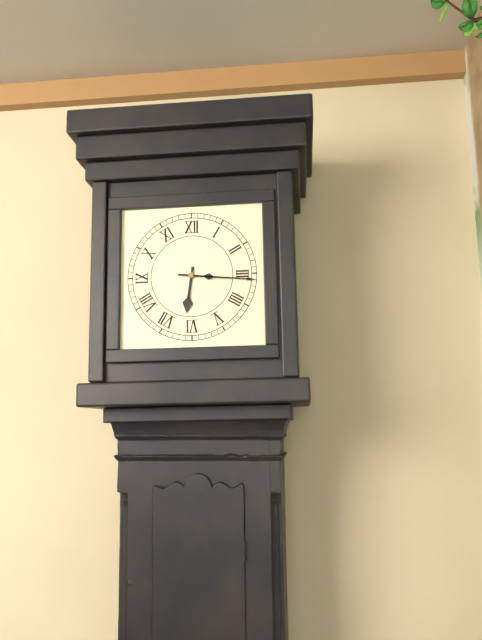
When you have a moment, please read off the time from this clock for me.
6:16
